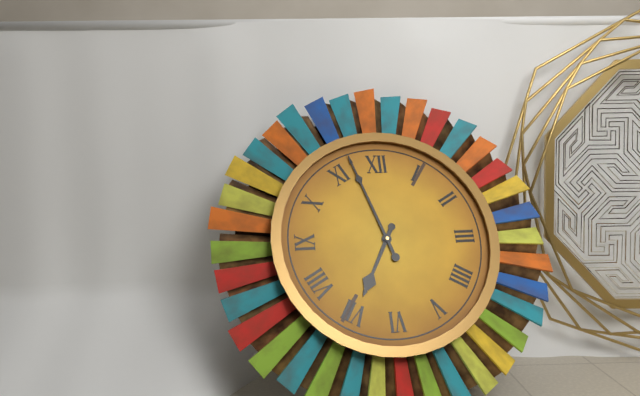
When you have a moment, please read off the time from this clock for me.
6:57
